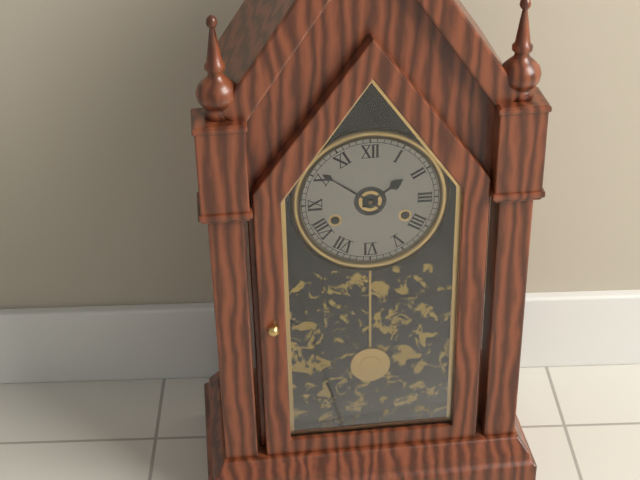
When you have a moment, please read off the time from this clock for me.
1:51
